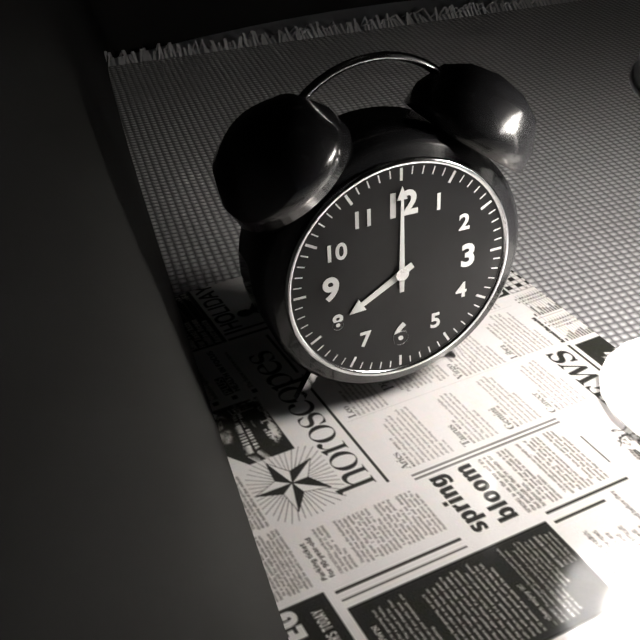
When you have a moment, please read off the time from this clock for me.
8:00
